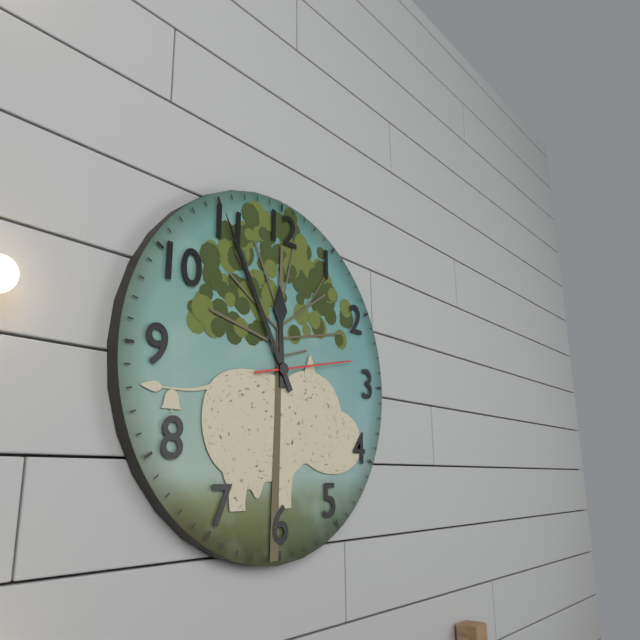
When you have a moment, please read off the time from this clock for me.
11:55:13
